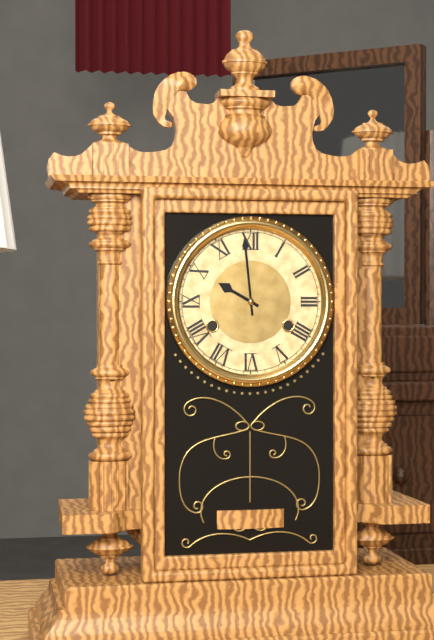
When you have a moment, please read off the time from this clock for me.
9:59
